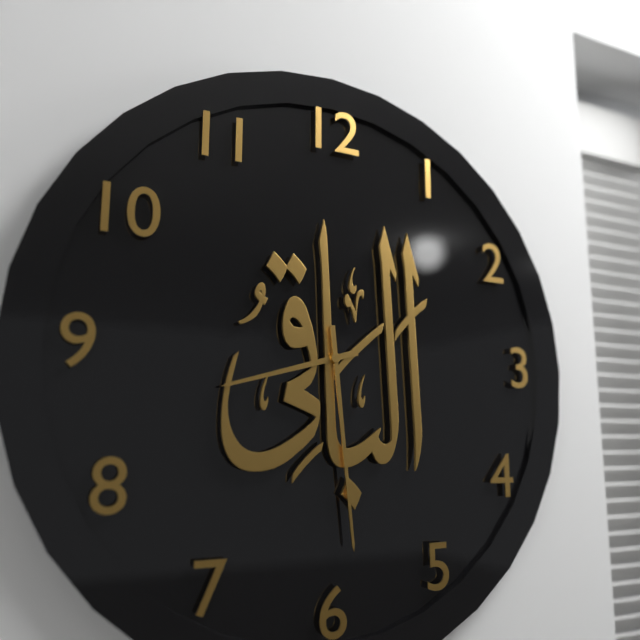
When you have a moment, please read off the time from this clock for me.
8:29
